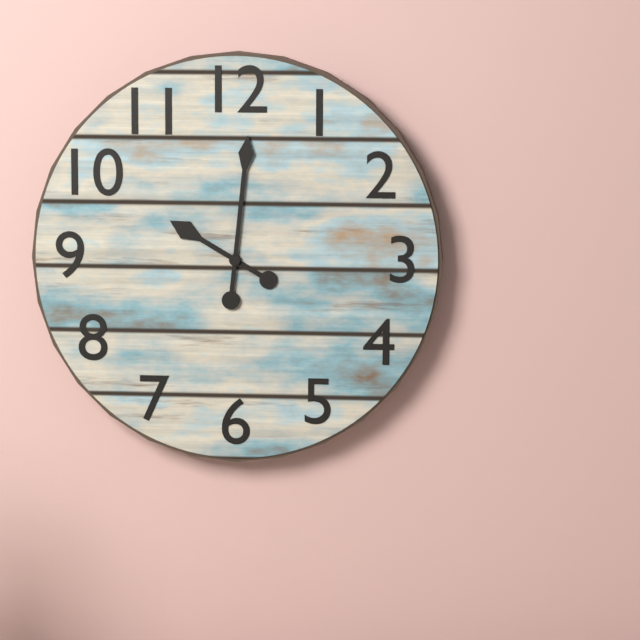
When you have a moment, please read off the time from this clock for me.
10:01
